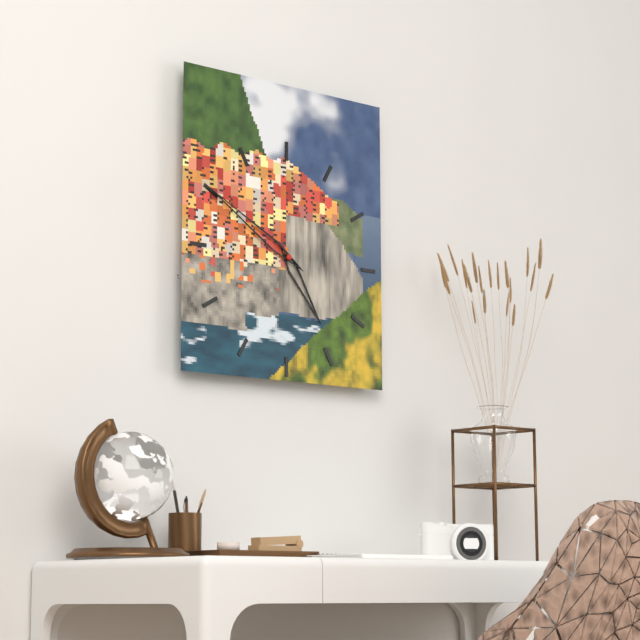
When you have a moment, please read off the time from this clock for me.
4:50
